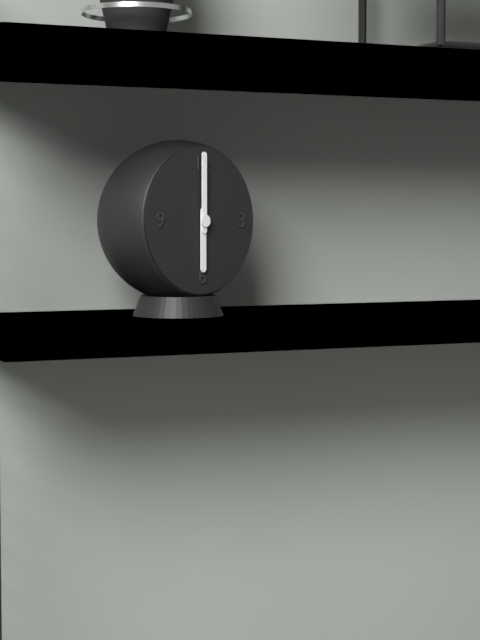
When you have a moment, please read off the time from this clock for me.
6:00
